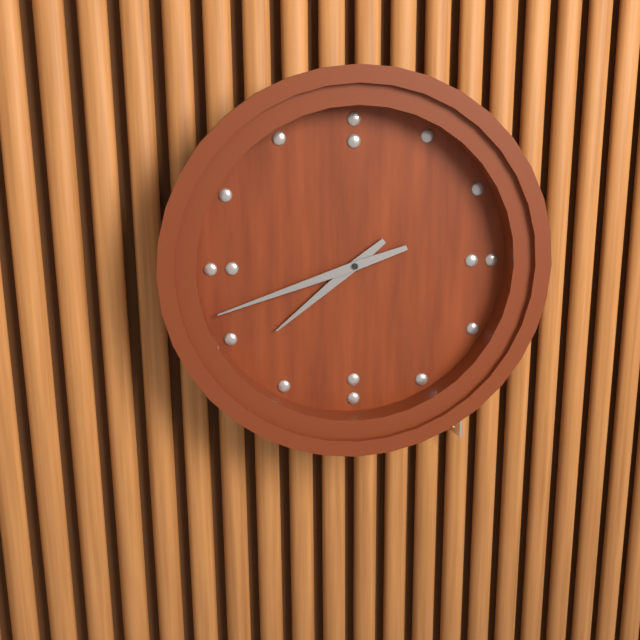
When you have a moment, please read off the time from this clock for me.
7:42
